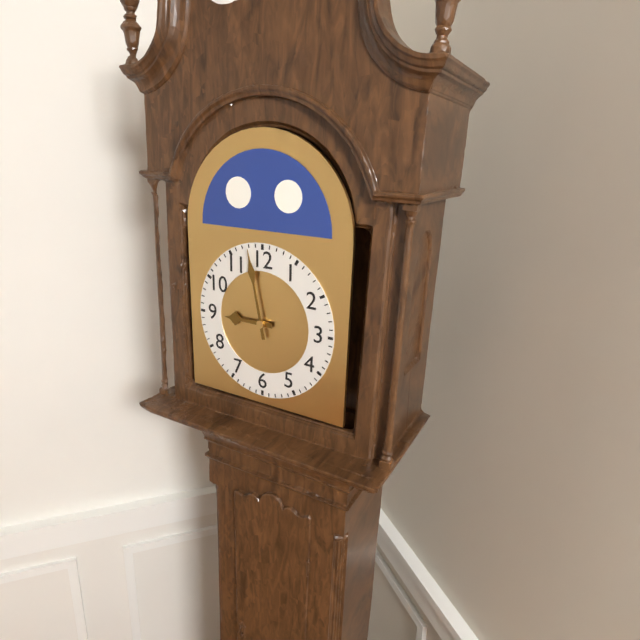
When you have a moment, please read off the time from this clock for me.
8:58
